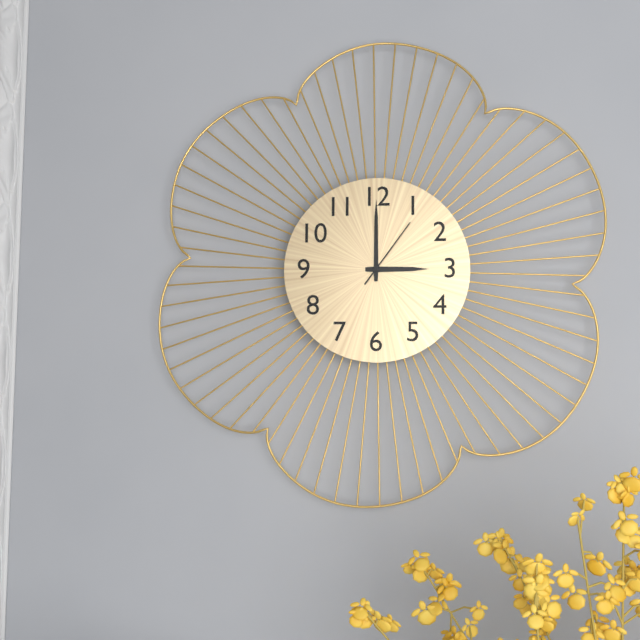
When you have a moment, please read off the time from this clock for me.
3:00:06
